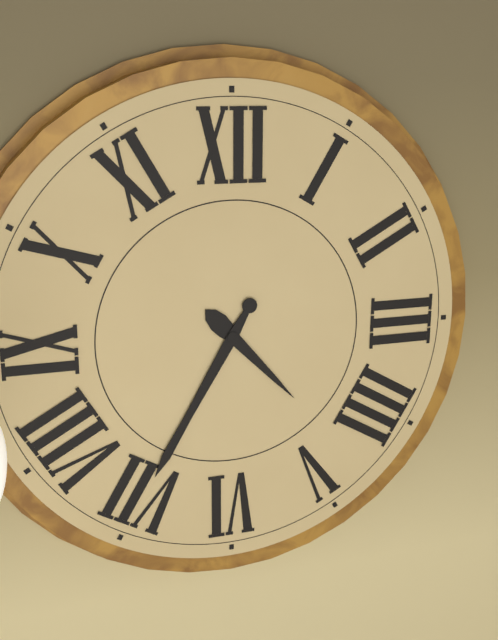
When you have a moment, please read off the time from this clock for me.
4:35
